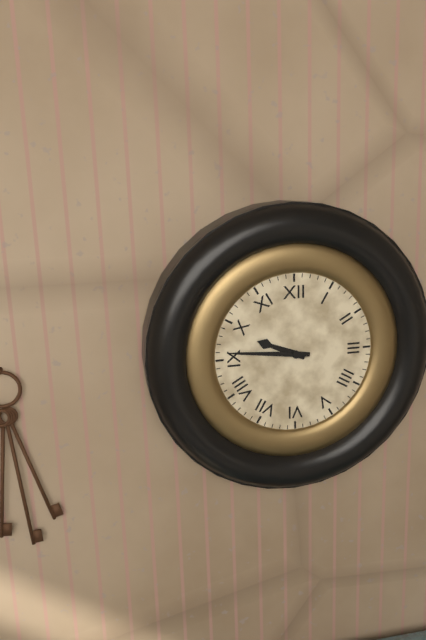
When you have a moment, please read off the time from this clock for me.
9:46
